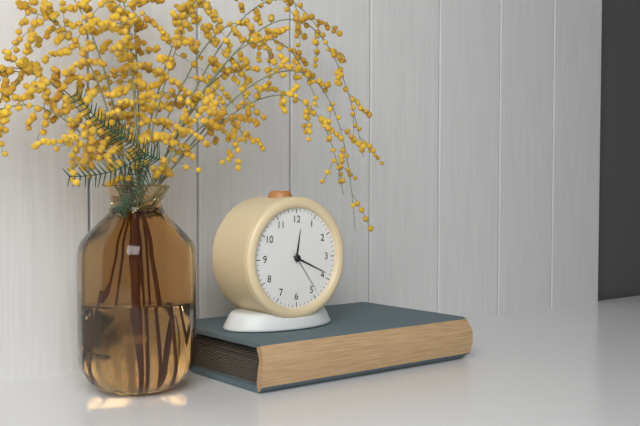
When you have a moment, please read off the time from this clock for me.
12:19:24
